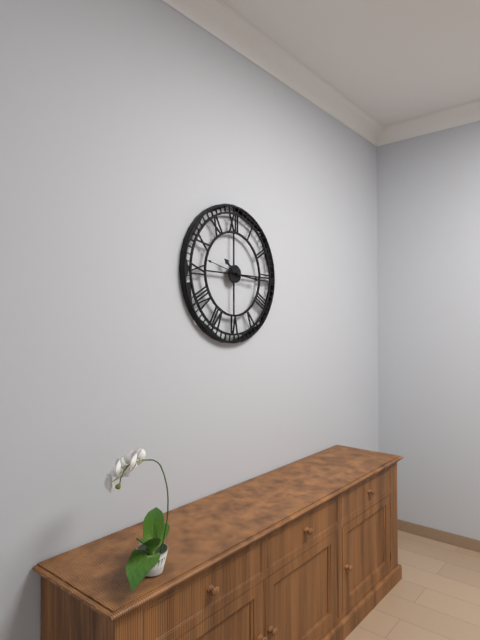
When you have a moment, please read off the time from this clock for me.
10:16
